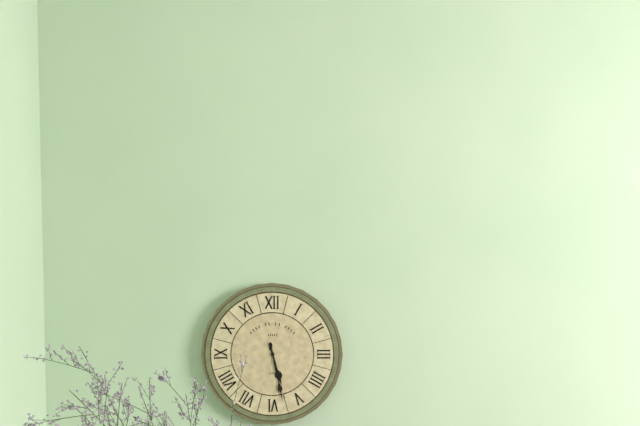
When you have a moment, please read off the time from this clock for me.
5:28
